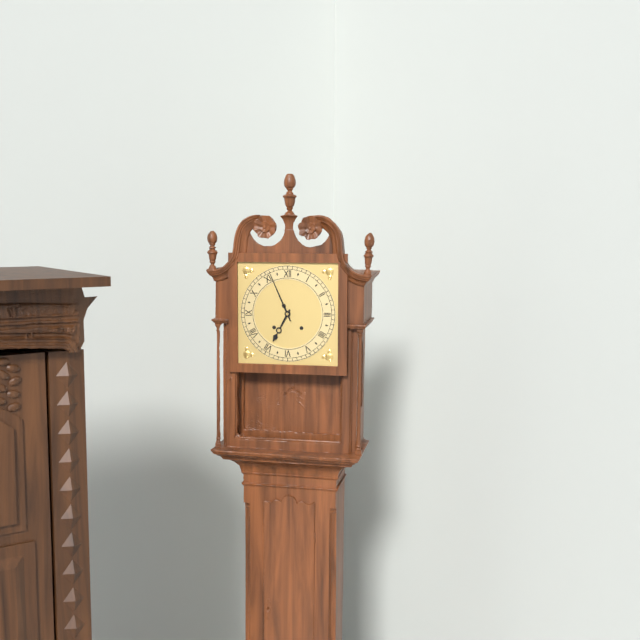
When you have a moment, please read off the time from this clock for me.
6:56
